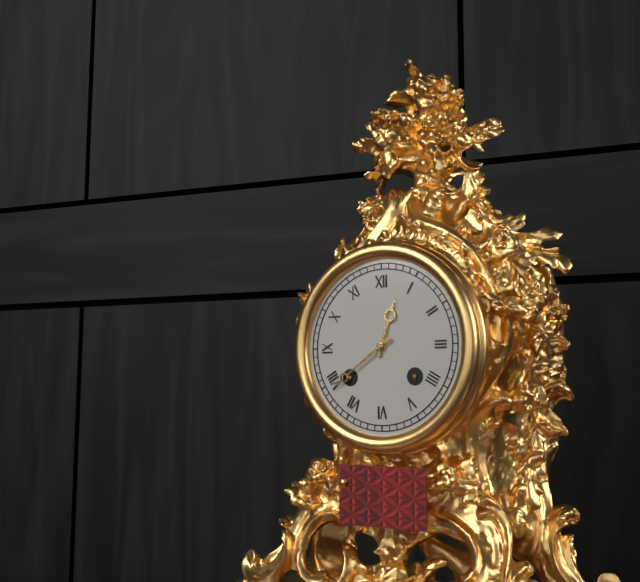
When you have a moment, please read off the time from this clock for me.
12:39
